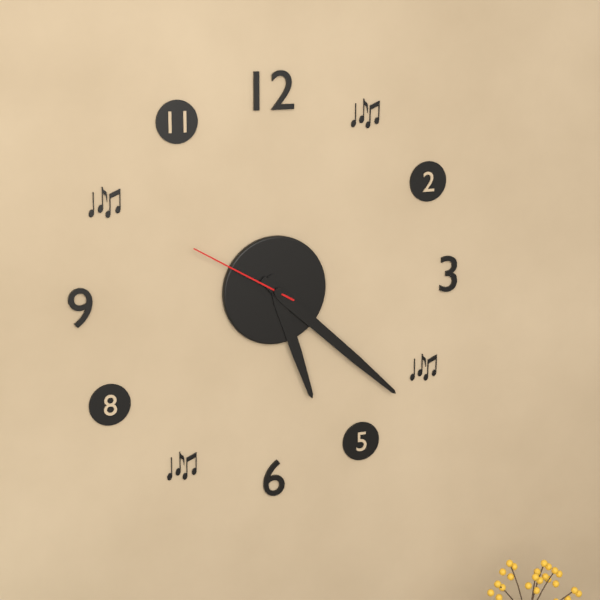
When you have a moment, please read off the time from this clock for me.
5:22:50
